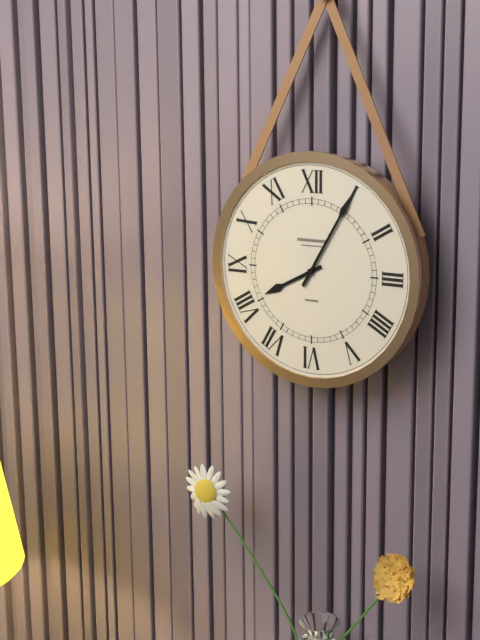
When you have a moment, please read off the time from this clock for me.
8:05
